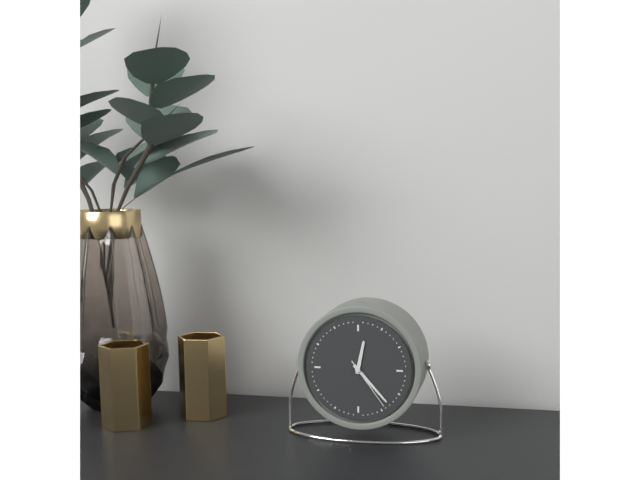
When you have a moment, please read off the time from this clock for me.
12:23:24
